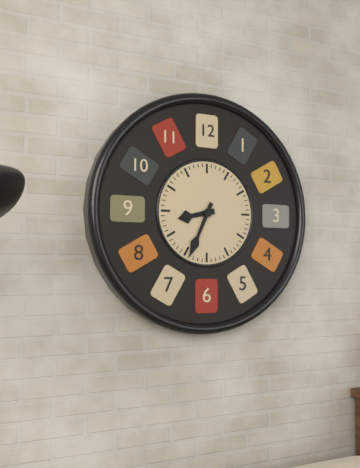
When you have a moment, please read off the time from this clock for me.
8:34
